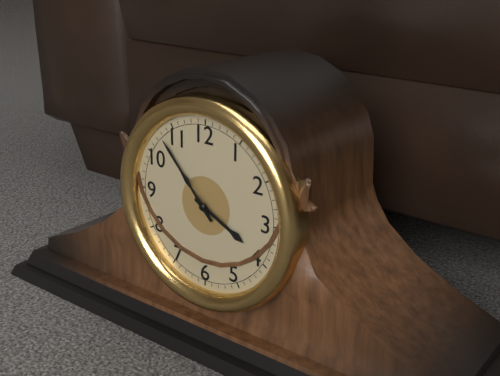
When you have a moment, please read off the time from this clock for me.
3:53
